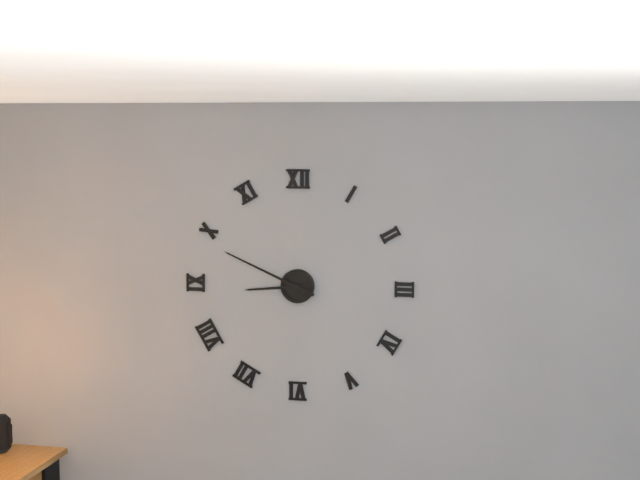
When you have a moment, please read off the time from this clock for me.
8:49
